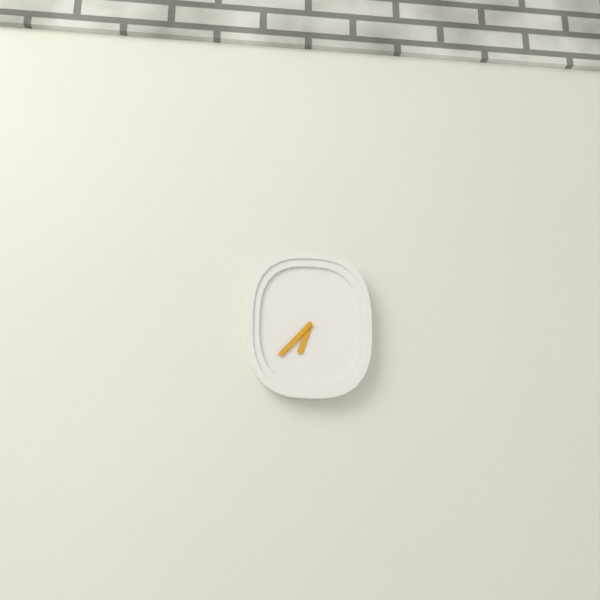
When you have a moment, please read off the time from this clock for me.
6:37
